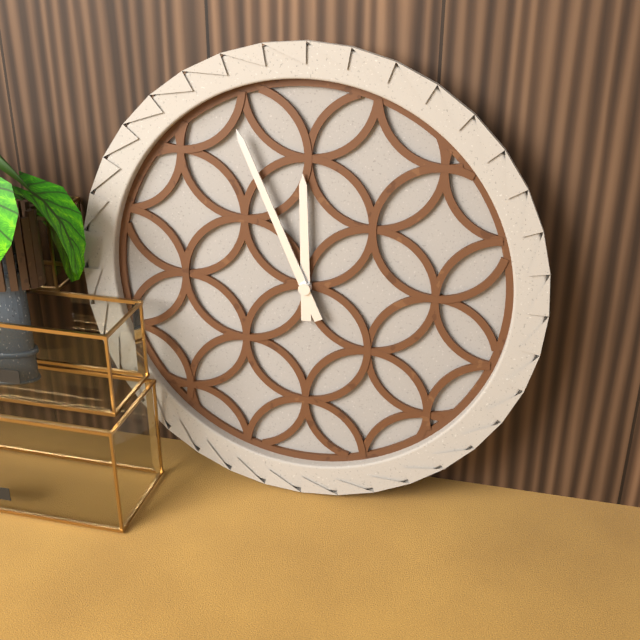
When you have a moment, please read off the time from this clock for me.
11:56
